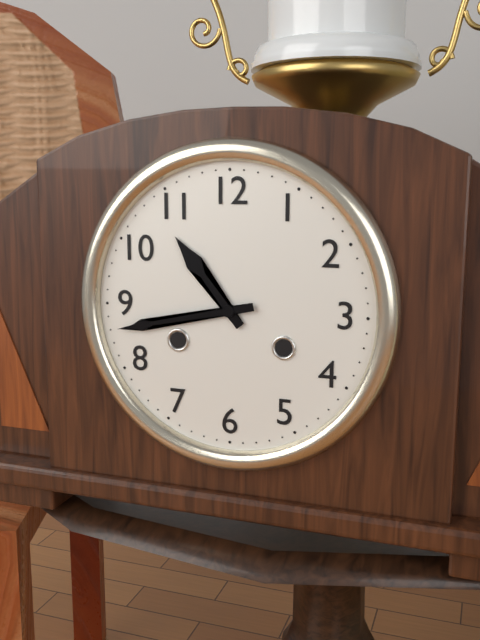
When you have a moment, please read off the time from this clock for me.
10:43
